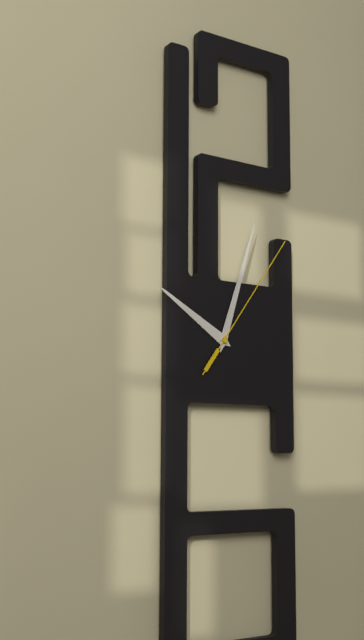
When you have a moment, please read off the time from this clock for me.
10:03:06
